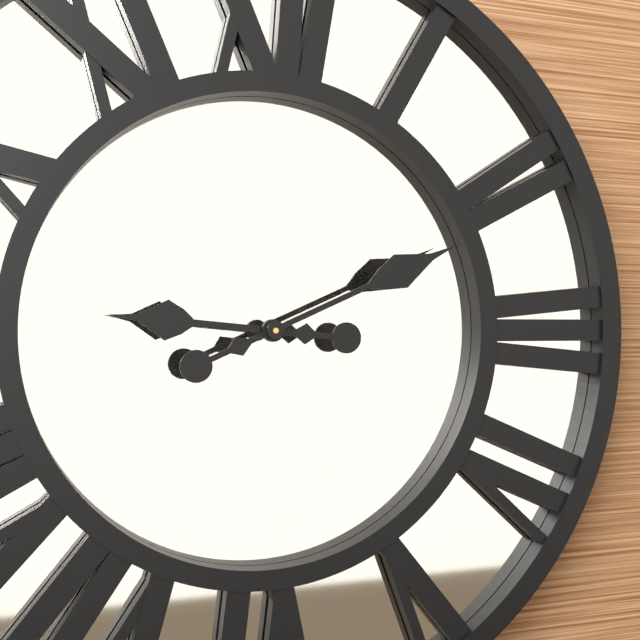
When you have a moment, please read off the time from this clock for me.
9:11
